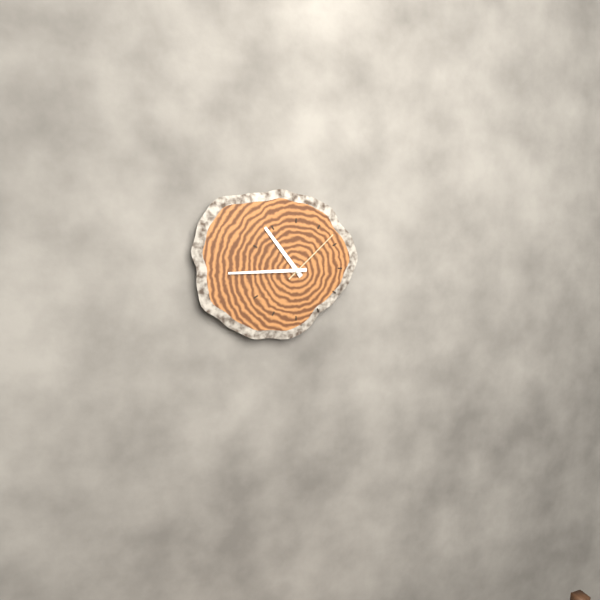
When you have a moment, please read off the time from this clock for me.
10:45:08
